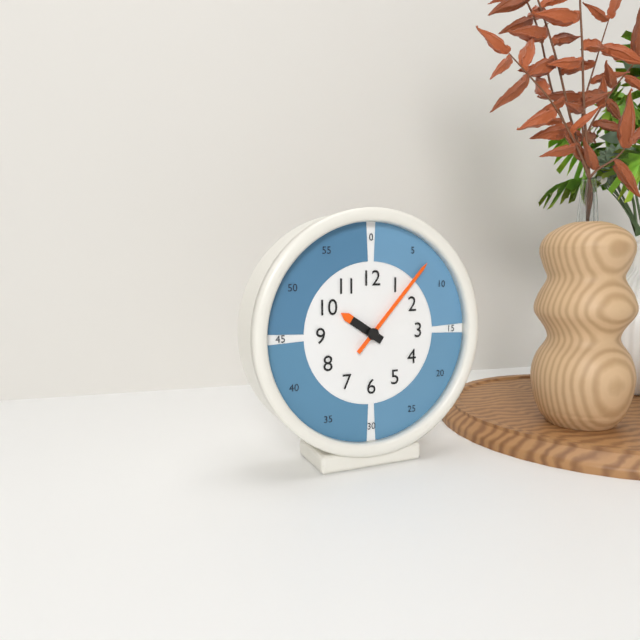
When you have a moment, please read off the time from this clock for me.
10:07
